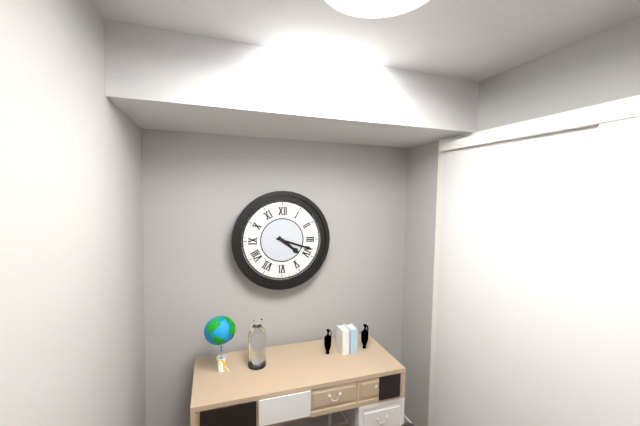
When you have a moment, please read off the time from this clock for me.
4:18
